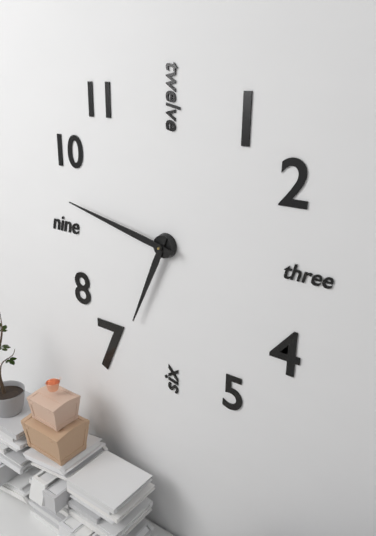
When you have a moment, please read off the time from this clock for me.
6:47
